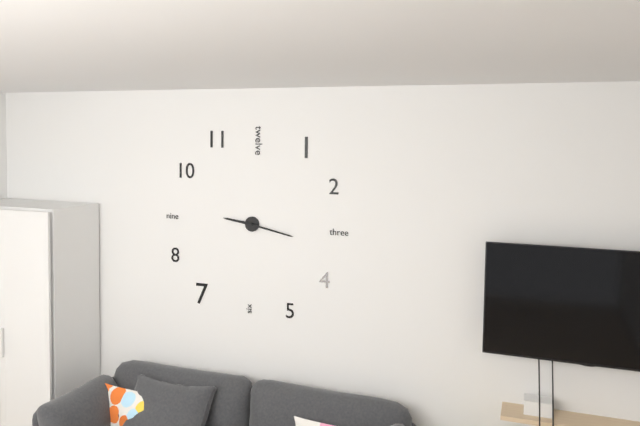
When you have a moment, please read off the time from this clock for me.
9:17
